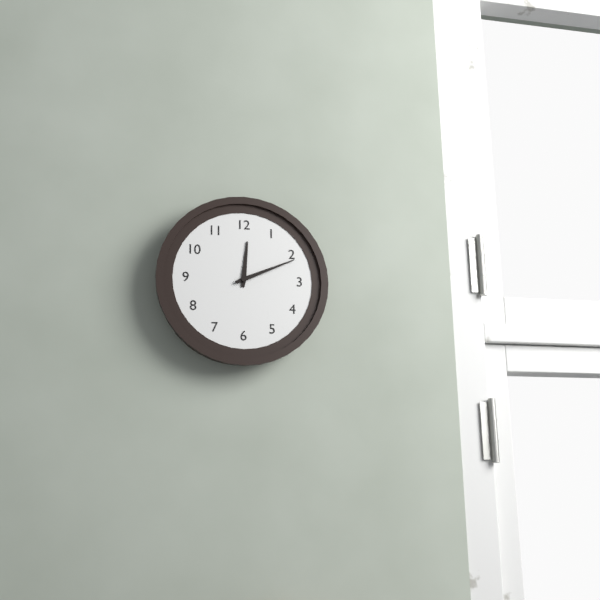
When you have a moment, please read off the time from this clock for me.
12:11
